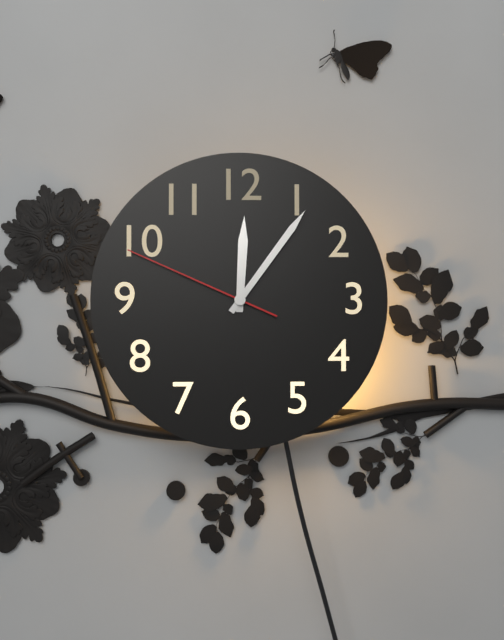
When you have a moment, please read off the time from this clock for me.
12:06:49
